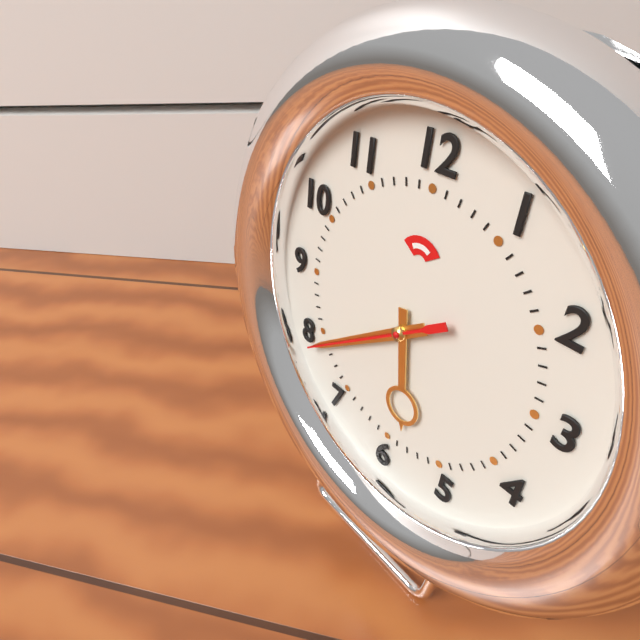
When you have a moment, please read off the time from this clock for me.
5:39:39
